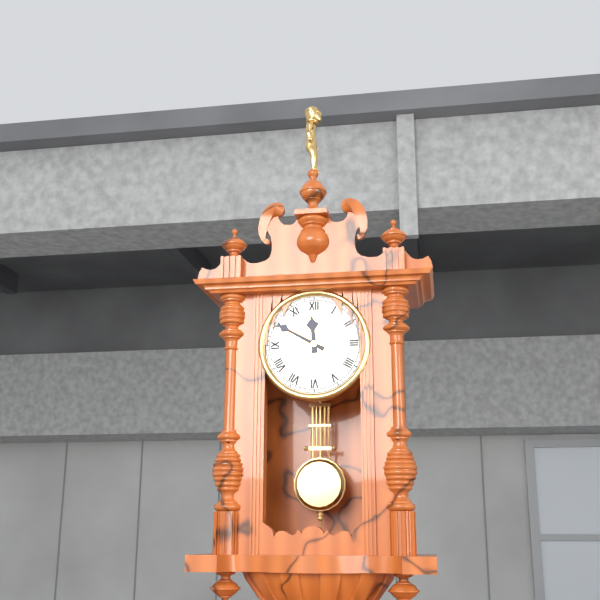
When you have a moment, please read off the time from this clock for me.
11:50
